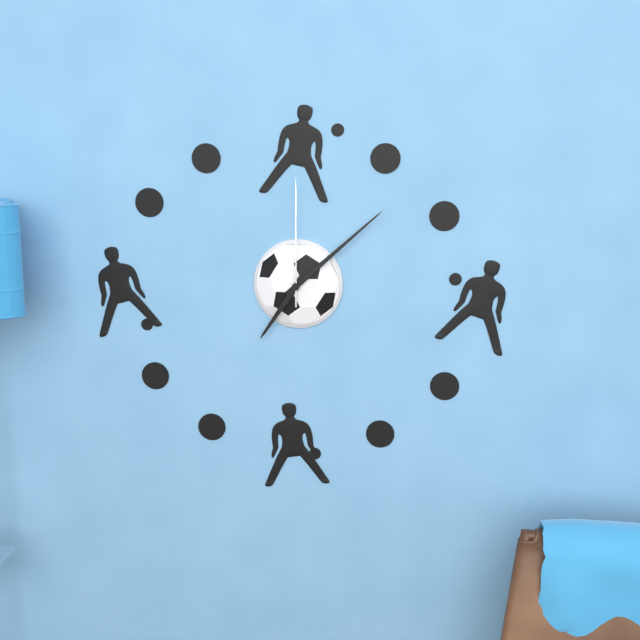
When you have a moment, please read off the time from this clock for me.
7:08:00
